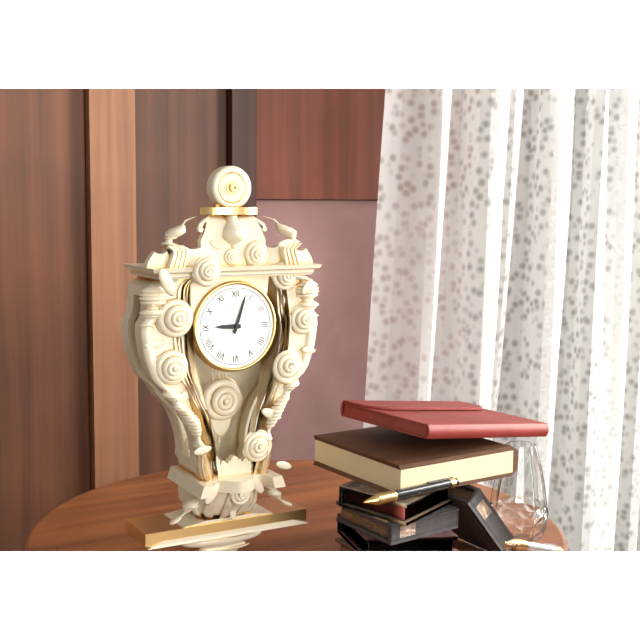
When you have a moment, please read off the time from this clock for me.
9:03
